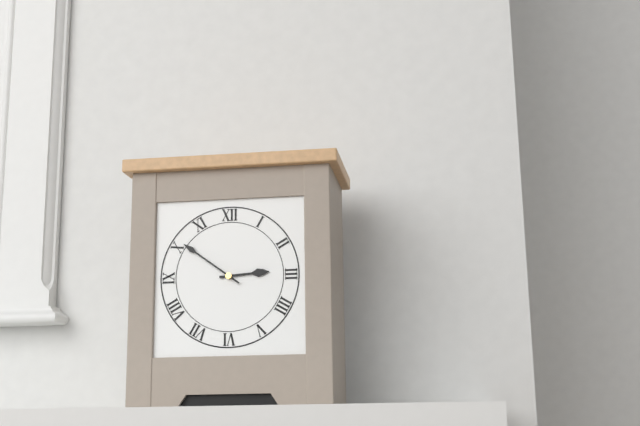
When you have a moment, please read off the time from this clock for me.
2:51
